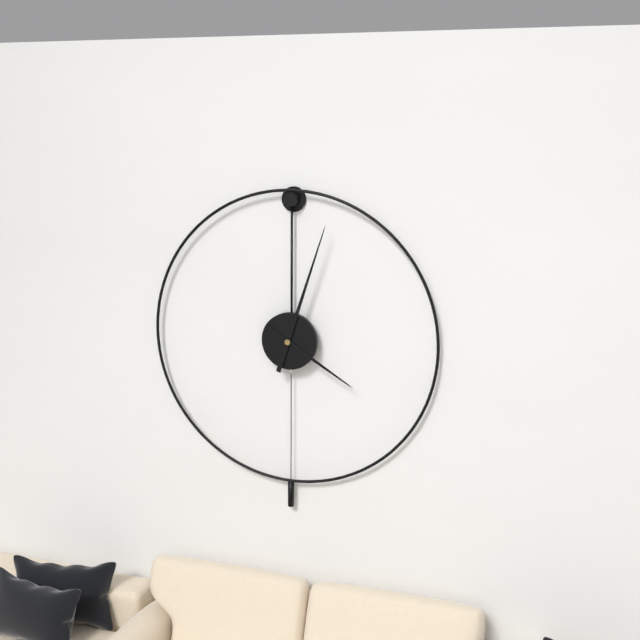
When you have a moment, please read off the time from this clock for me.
4:03
